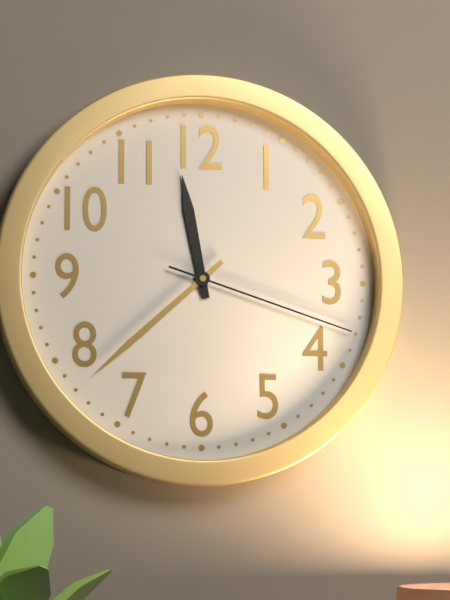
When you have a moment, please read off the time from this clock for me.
11:38:18
